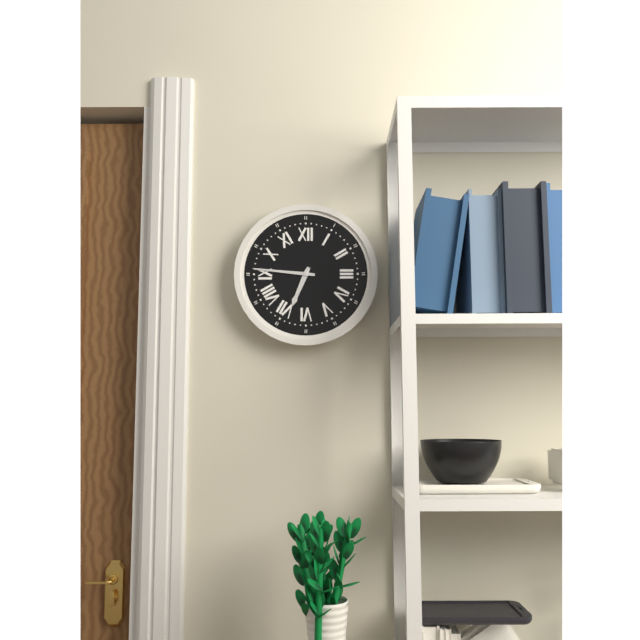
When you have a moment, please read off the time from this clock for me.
6:46
